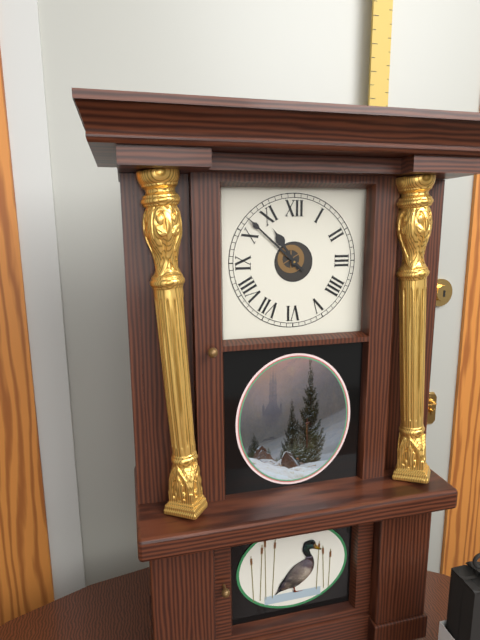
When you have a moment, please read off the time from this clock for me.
10:52
